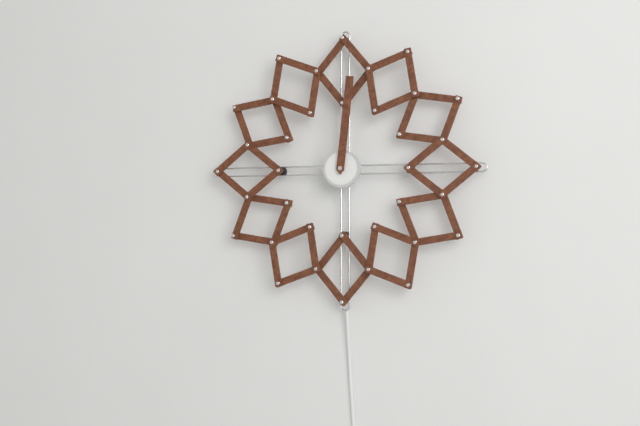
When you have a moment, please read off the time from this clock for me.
12:01
